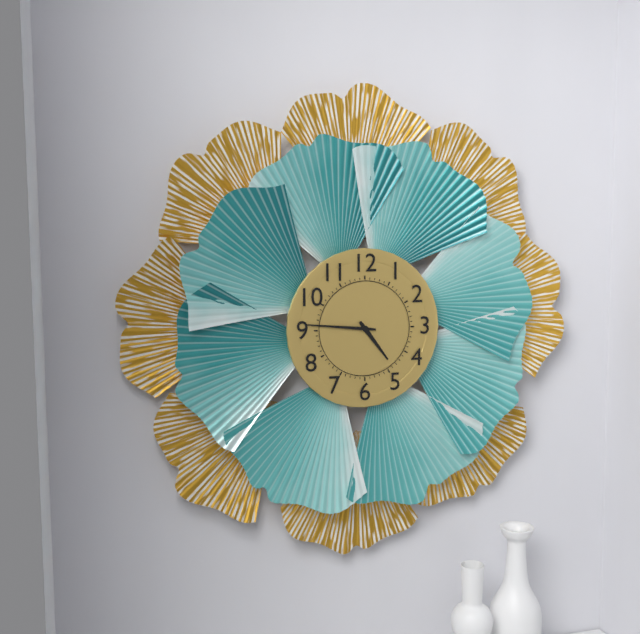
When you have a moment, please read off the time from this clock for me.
4:46
